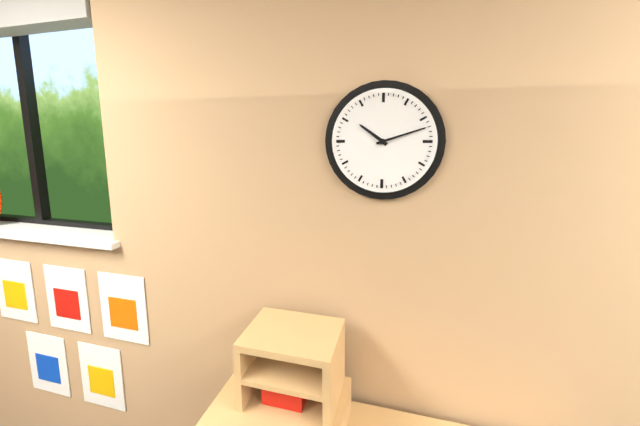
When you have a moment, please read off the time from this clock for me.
10:12
